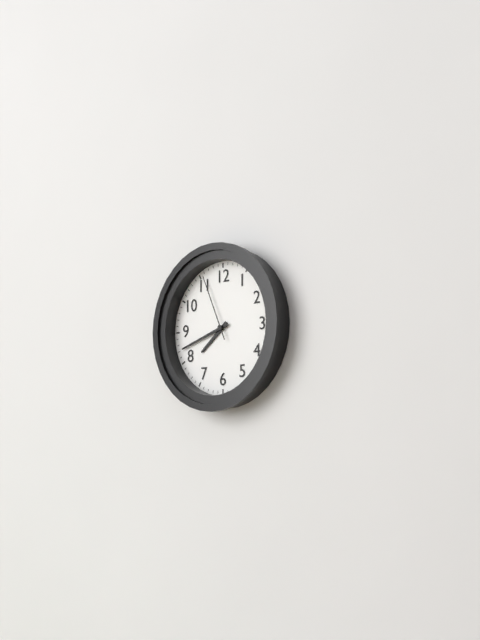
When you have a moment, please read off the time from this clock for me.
7:42:56
